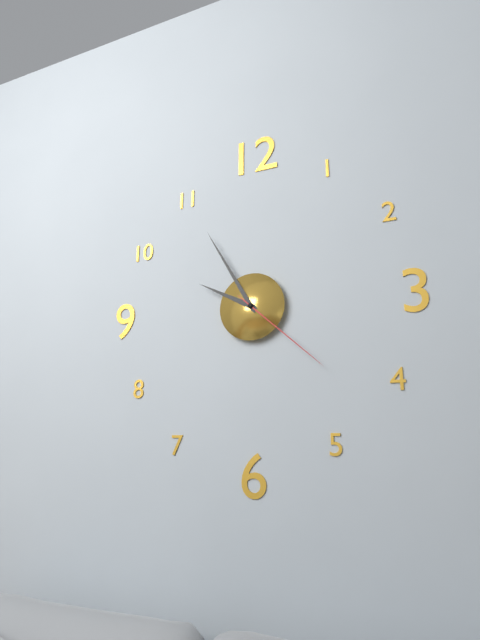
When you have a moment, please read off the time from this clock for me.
9:55:22
